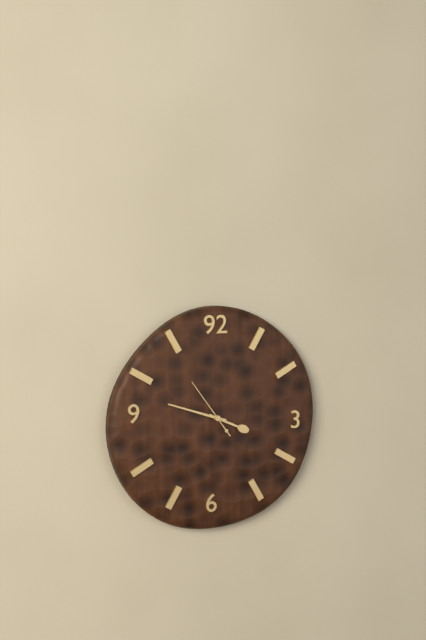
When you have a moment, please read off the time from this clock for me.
3:48
